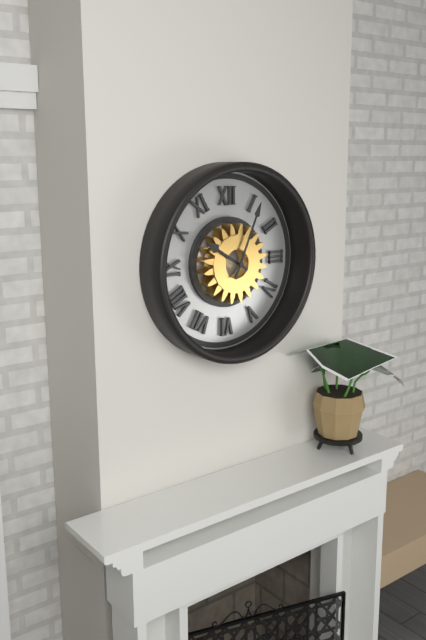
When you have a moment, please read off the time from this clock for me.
10:04
